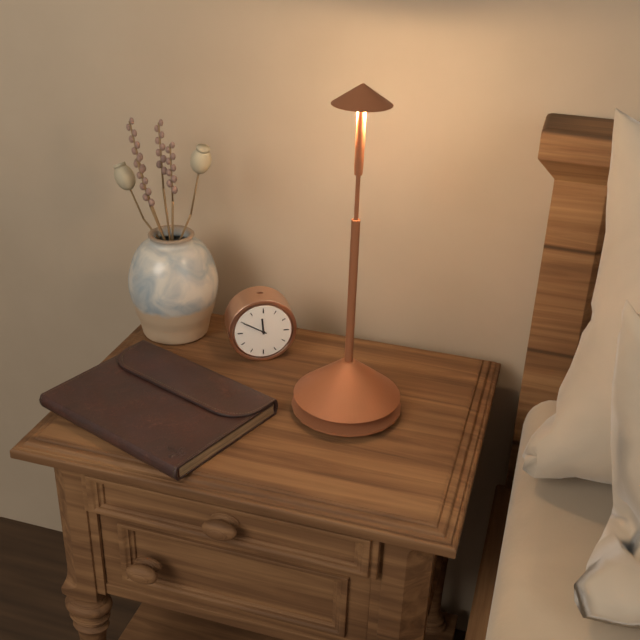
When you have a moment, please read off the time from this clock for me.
11:50
